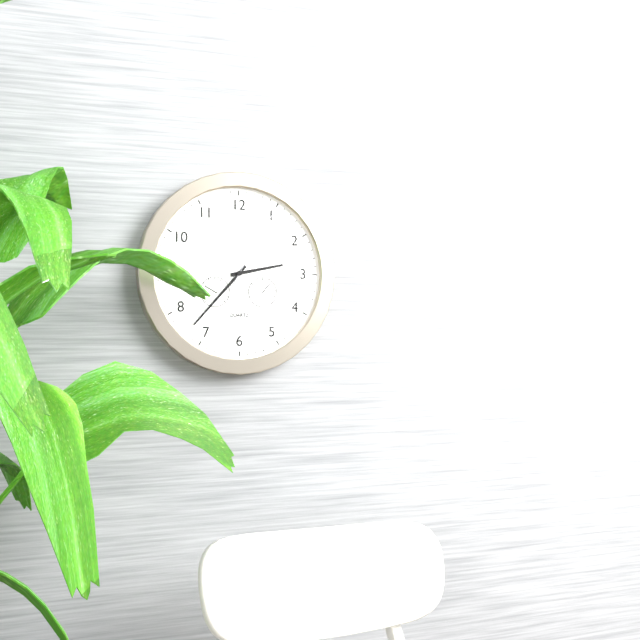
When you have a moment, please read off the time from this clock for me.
2:37:05
